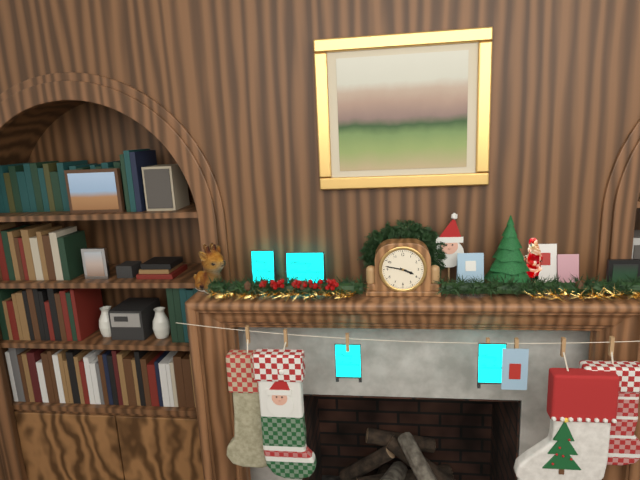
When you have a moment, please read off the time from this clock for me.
3:47
